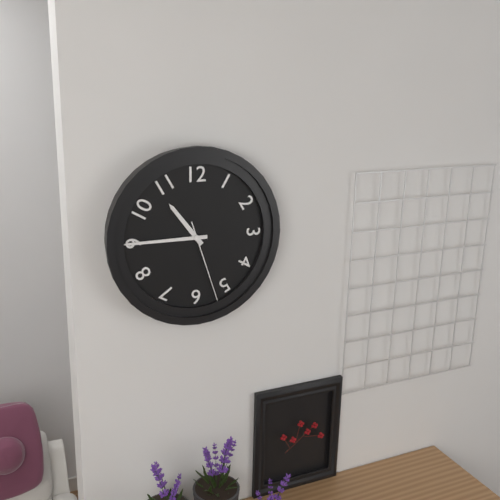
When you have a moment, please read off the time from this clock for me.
10:45:27
